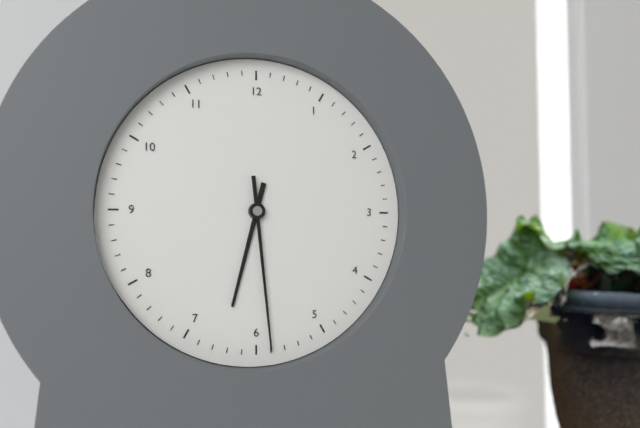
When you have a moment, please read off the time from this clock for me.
6:29
